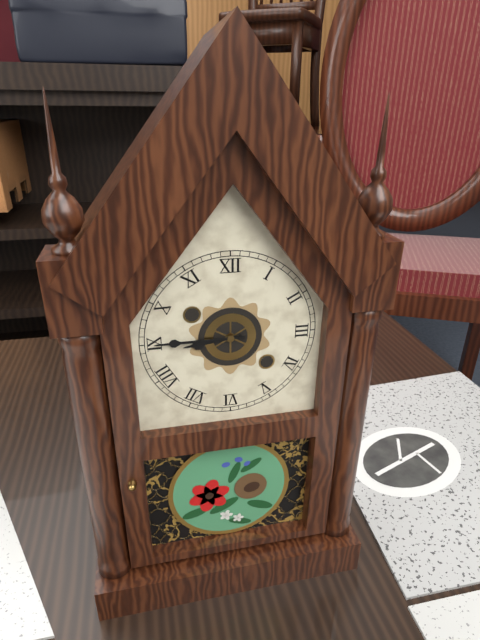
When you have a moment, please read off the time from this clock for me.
8:45
